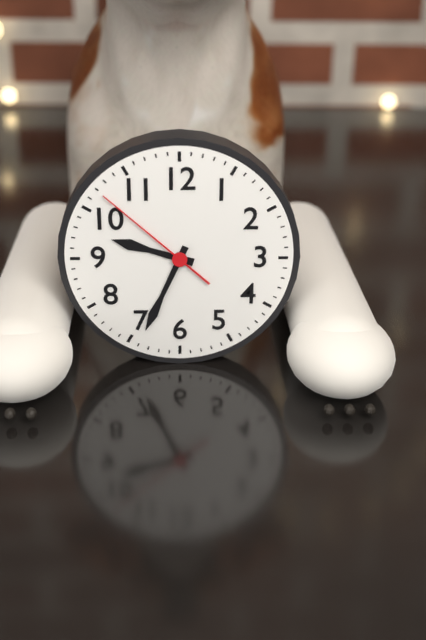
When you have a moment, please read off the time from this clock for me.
9:34:52
